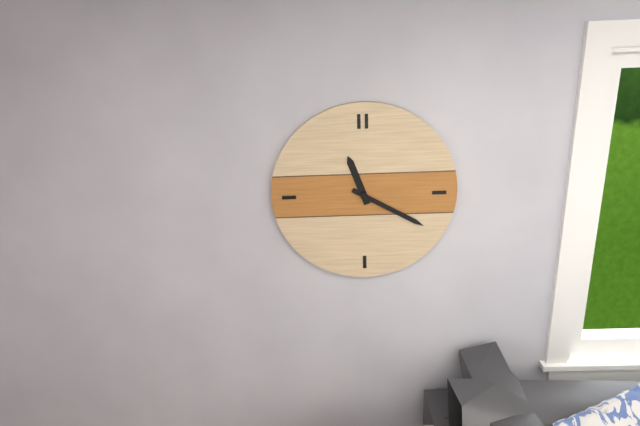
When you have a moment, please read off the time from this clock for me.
11:20
